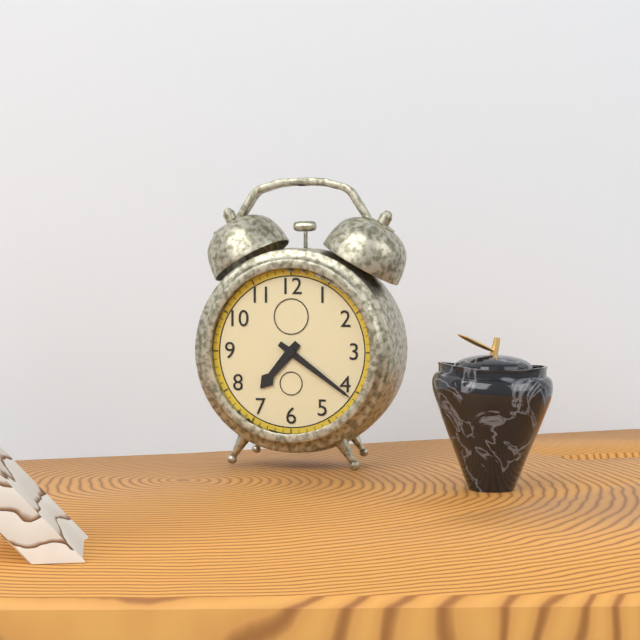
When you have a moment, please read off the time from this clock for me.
7:21
